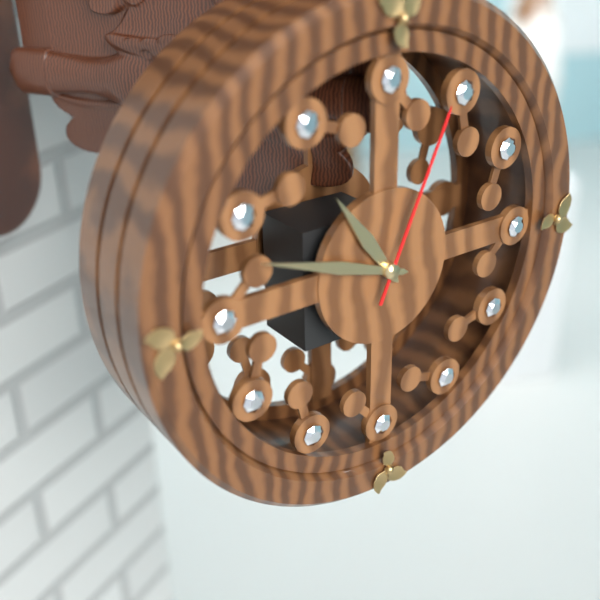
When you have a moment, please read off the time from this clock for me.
10:48:04
